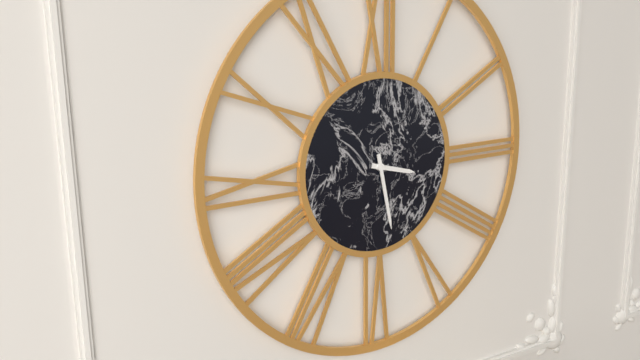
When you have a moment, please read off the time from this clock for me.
3:28
